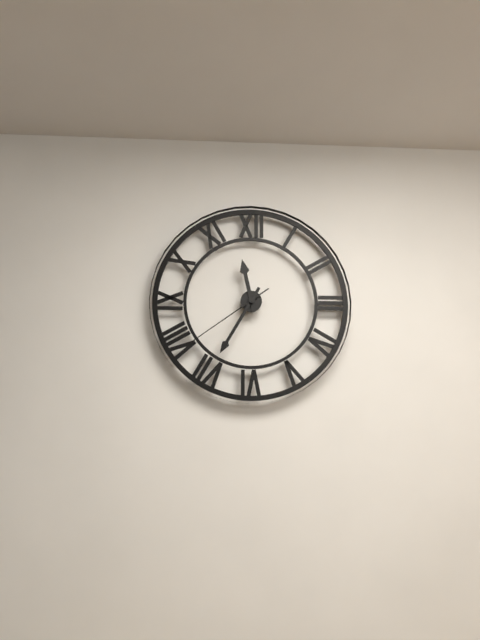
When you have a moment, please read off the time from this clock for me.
11:35:39
